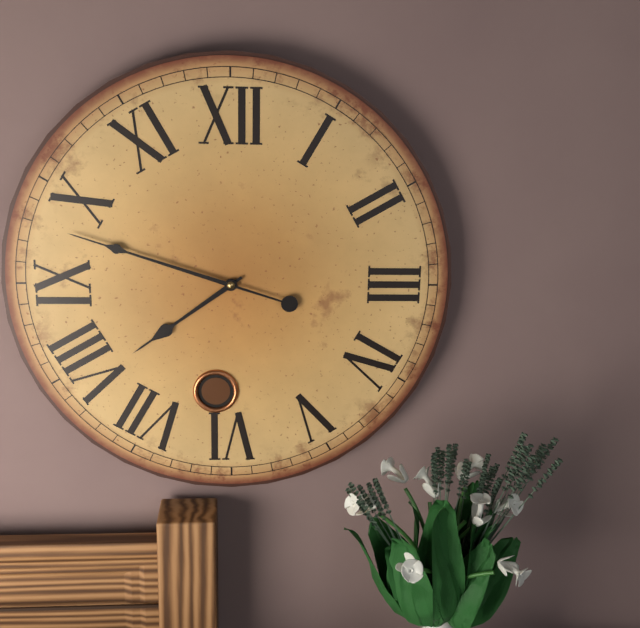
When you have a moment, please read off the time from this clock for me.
7:48
